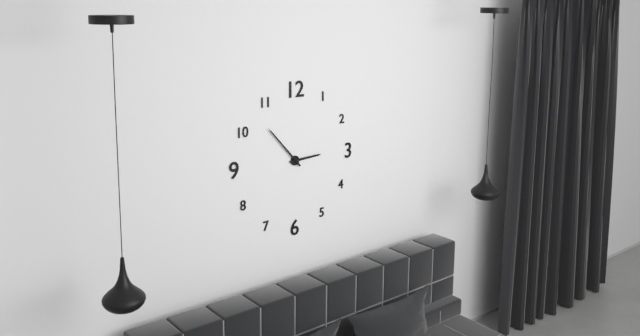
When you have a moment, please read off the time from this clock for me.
2:53
